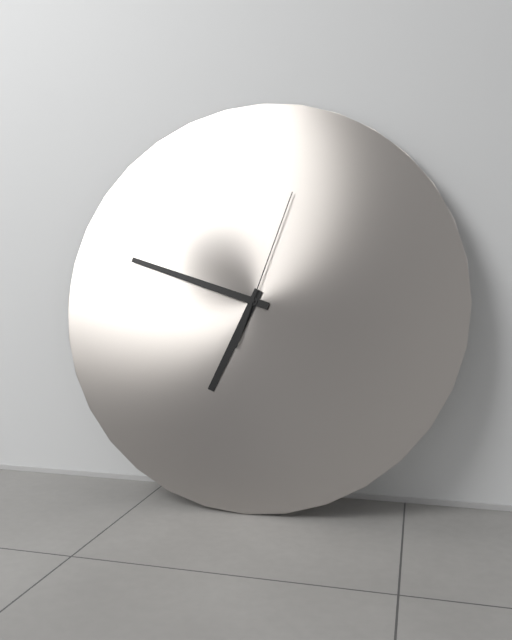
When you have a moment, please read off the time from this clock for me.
6:48:03
